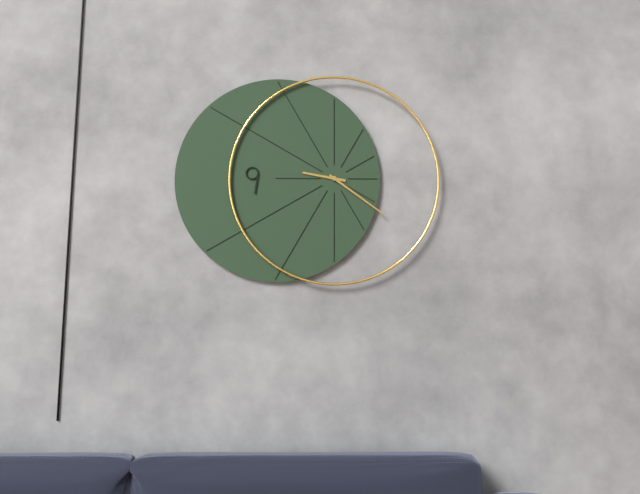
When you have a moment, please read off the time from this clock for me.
9:21
